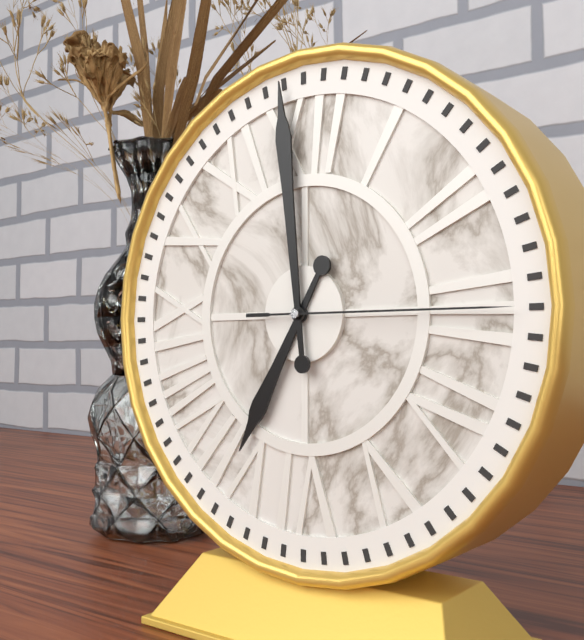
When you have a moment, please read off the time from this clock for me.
6:59:15
